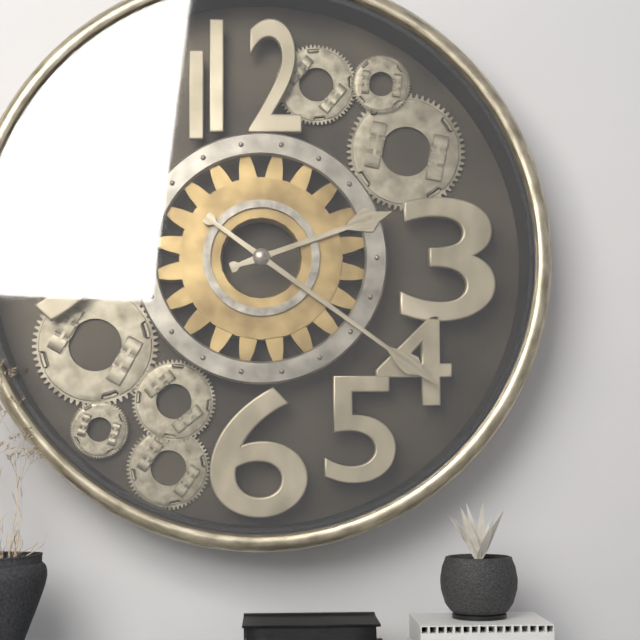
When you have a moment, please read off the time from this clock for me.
2:21
